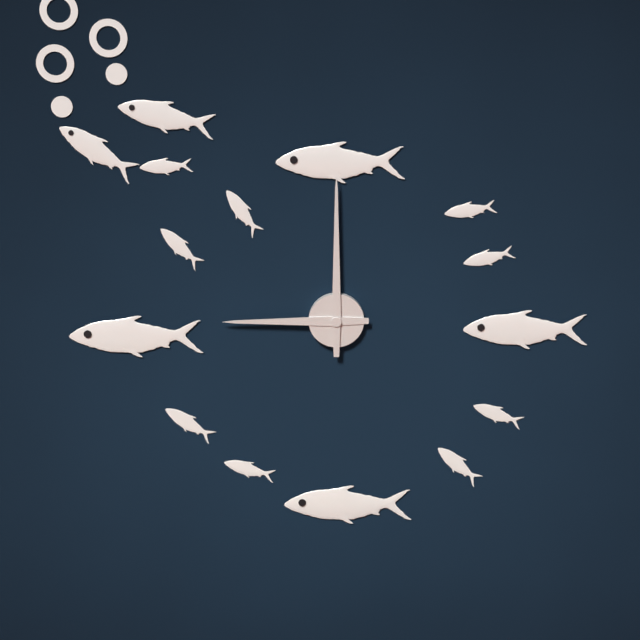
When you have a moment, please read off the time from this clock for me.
9:00
